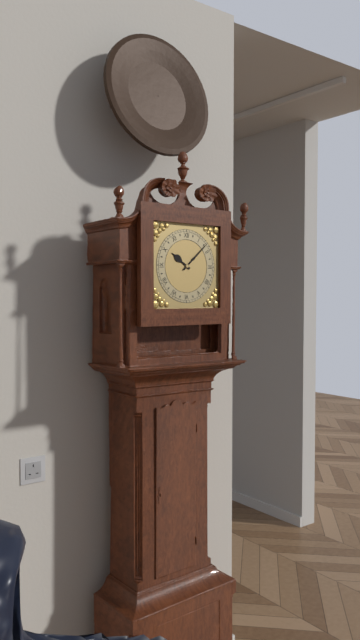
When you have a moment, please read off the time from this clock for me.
10:08
